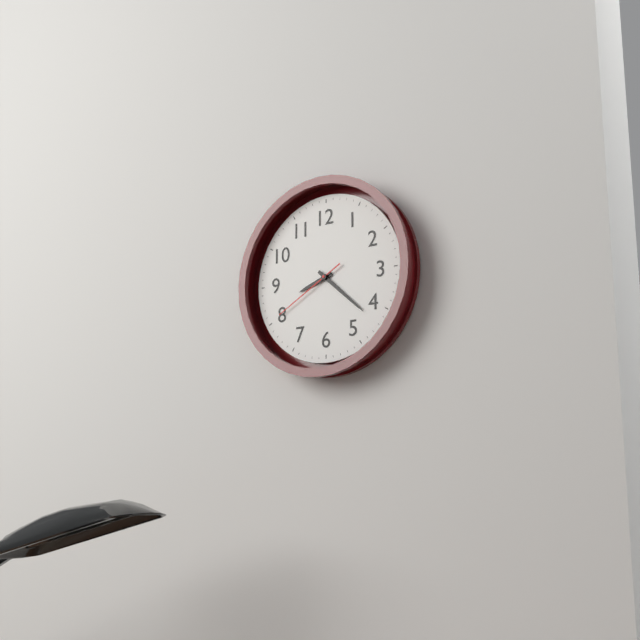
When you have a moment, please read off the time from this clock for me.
8:22:40
